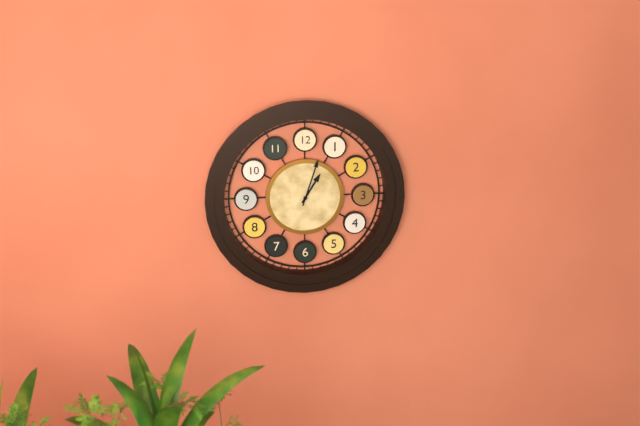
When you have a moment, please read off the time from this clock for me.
1:03
